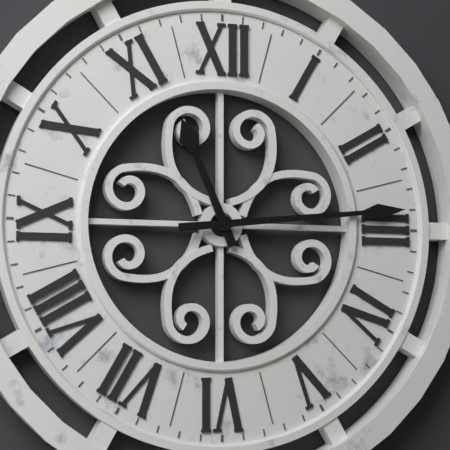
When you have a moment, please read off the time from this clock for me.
11:14
